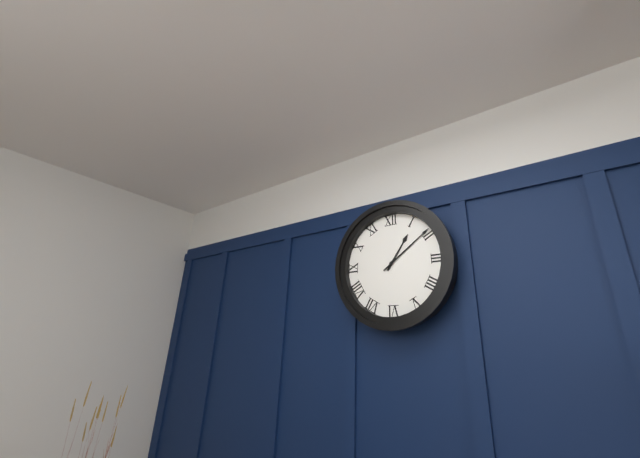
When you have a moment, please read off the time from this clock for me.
1:09
